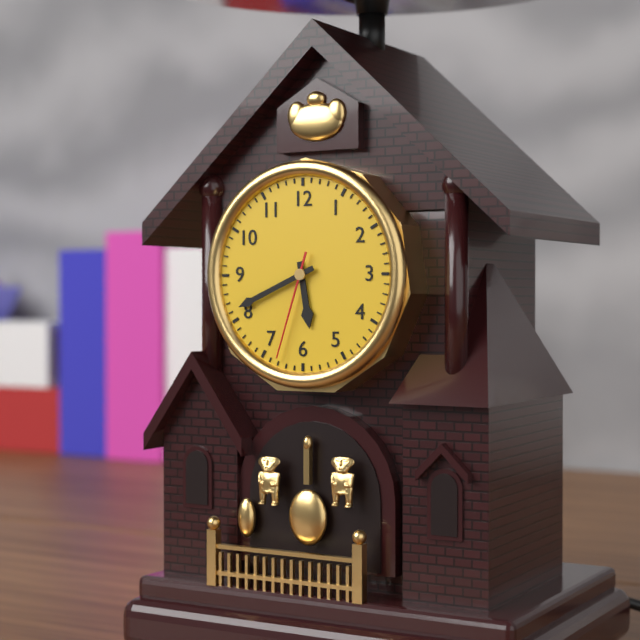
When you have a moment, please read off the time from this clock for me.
5:41:33
